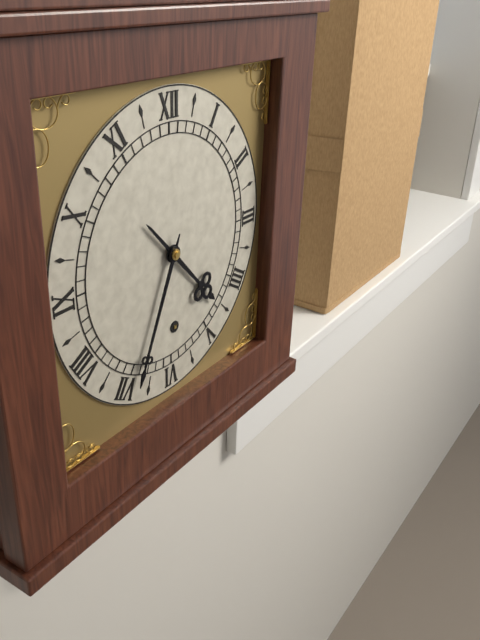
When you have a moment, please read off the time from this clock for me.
4:34
